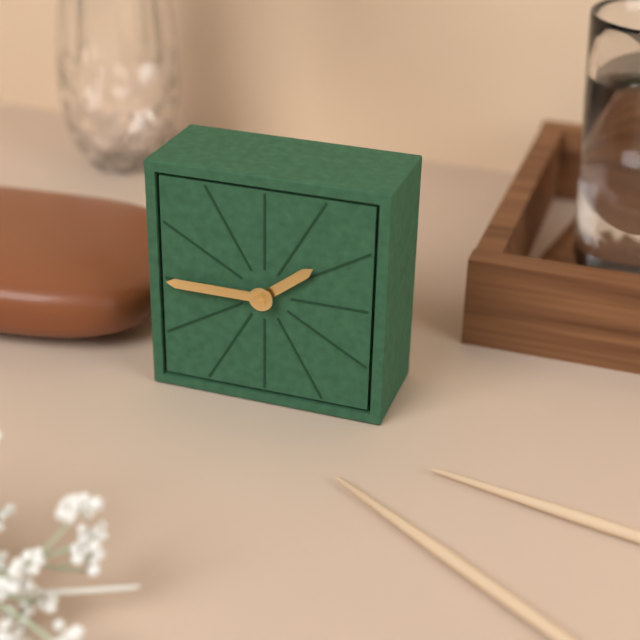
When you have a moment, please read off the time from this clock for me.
1:45
